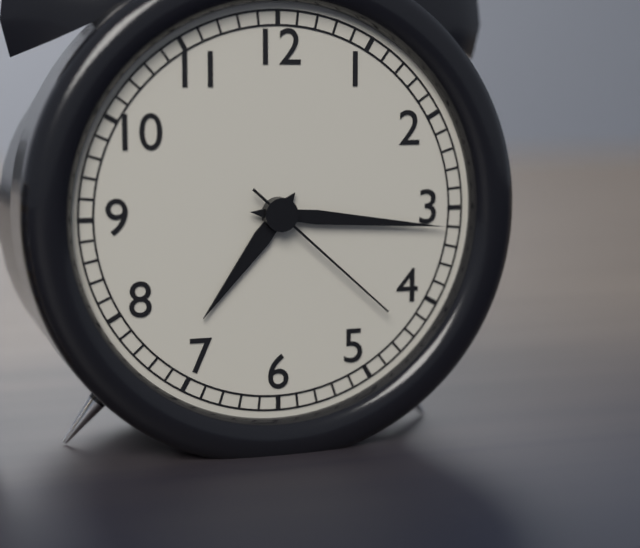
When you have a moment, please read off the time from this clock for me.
7:16:22
